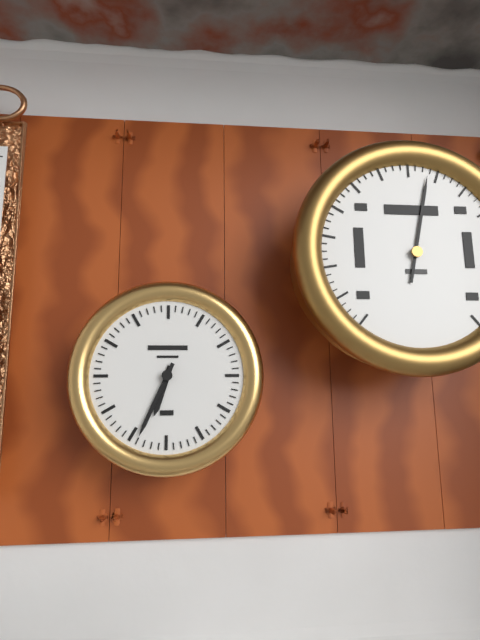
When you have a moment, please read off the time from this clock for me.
6:34
